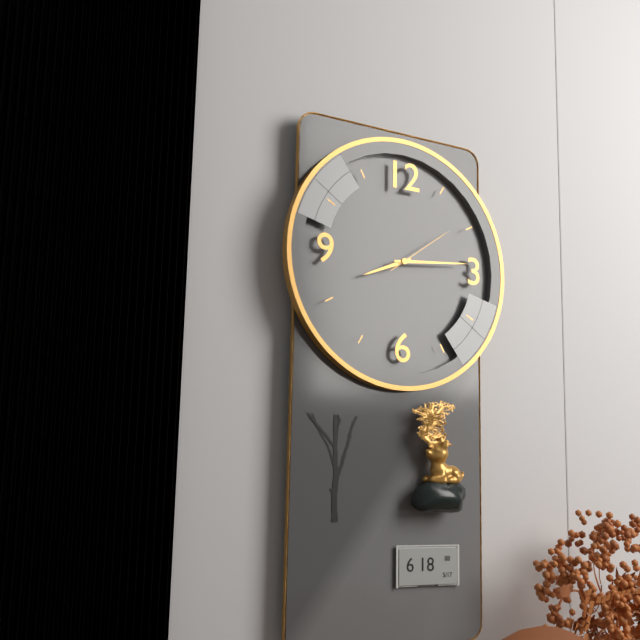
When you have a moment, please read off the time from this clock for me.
8:14:09
